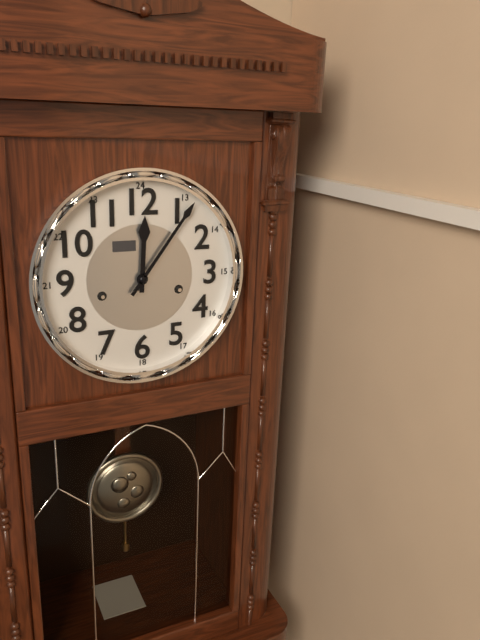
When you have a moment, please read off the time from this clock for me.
12:06
